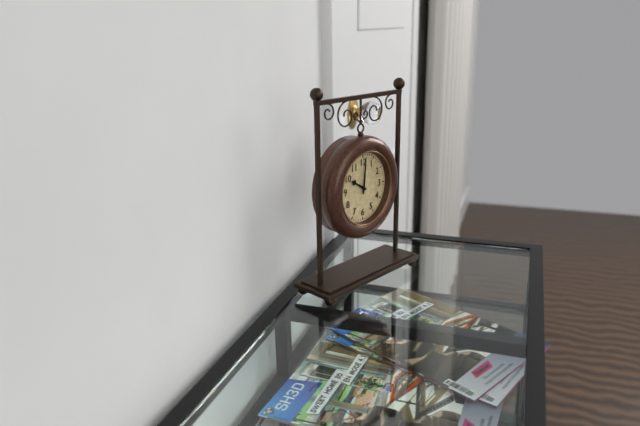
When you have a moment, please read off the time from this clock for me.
10:01
